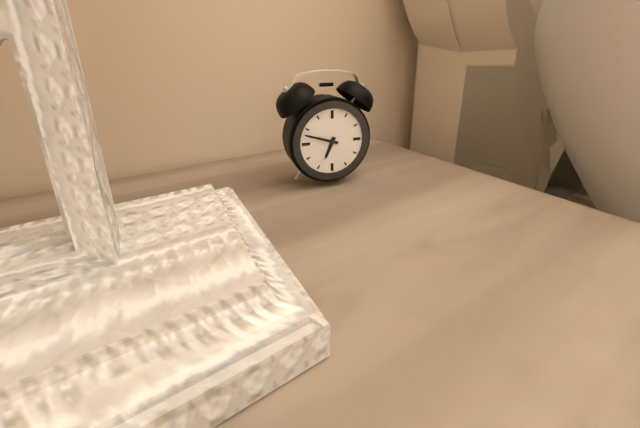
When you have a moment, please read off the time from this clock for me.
6:48
